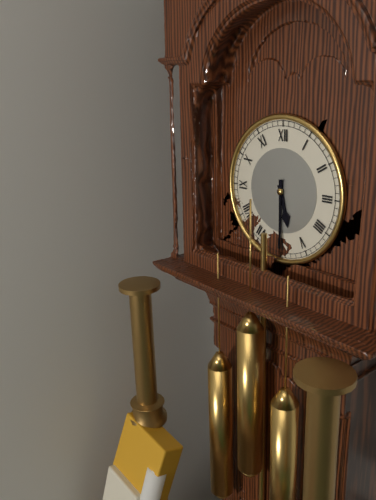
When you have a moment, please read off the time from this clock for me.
5:30
